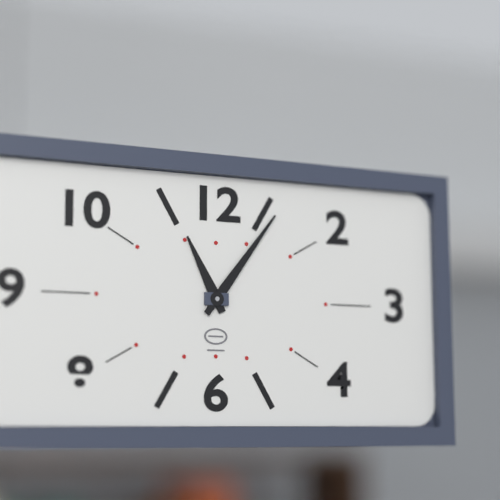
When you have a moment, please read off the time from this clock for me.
11:06
